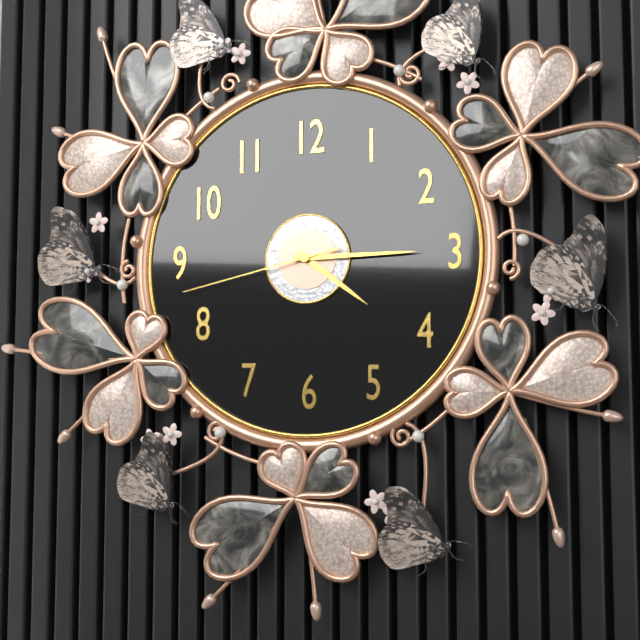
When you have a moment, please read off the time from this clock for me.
4:15:43
